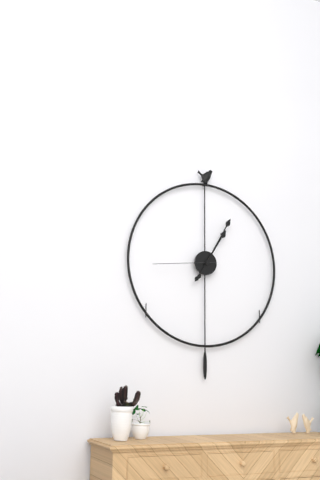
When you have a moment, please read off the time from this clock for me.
1:05:44
